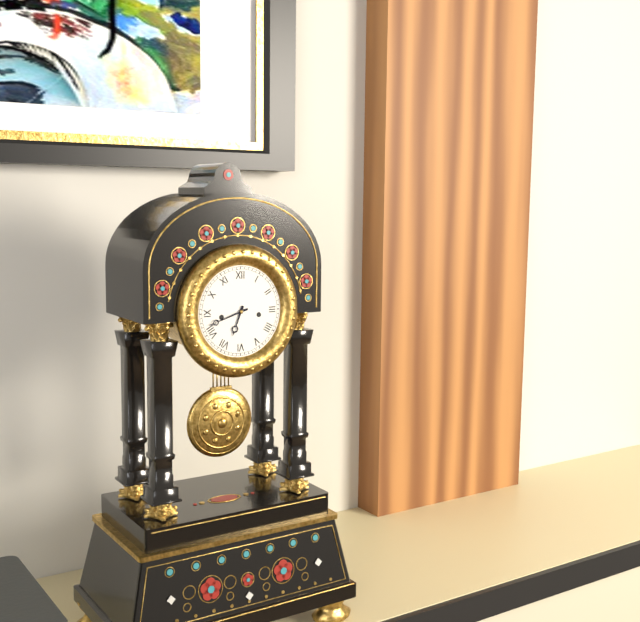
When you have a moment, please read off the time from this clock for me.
6:42
